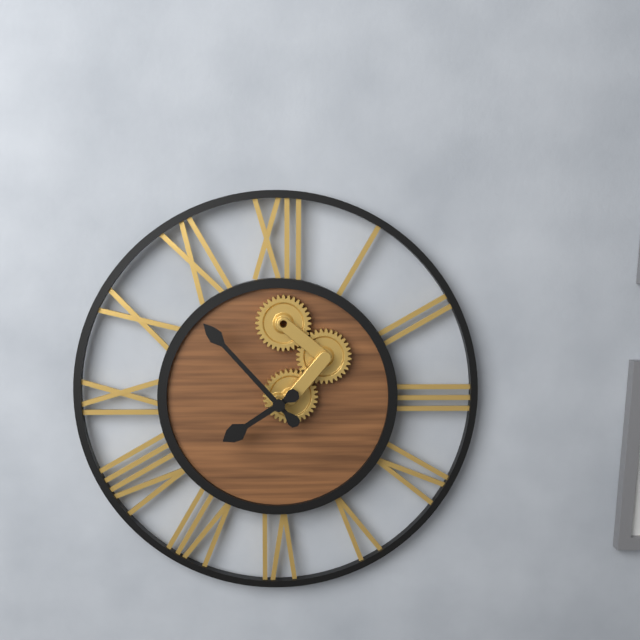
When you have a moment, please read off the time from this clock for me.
7:53
